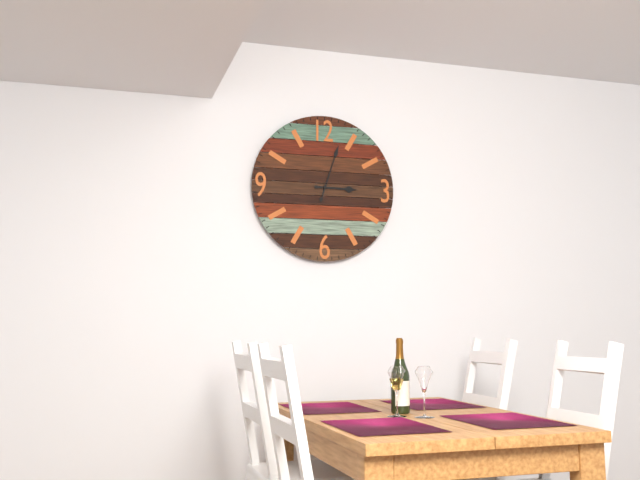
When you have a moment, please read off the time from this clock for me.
3:03
